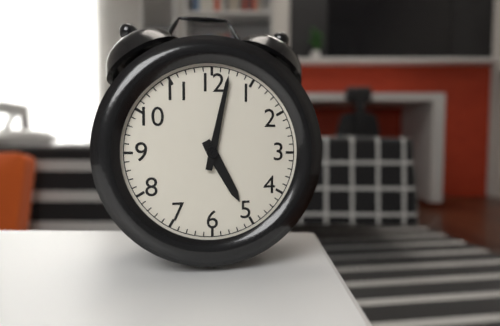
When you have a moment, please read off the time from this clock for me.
5:02
